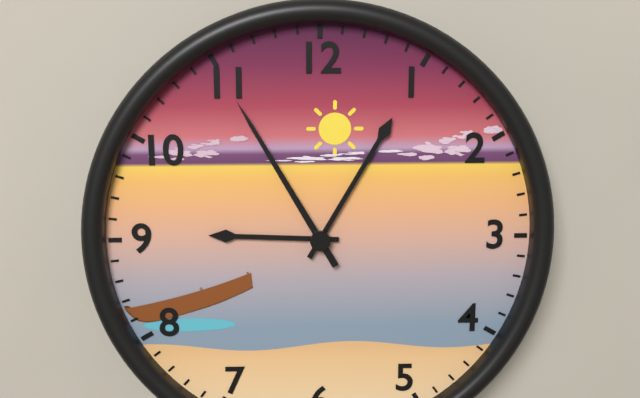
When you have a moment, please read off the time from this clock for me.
9:05:55
